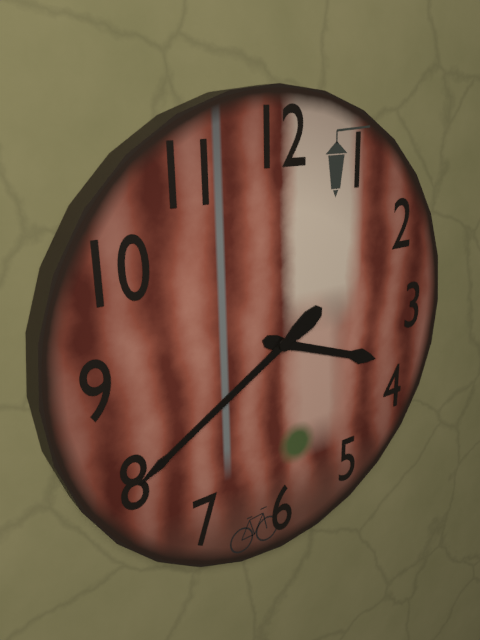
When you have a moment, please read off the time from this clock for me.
3:40
